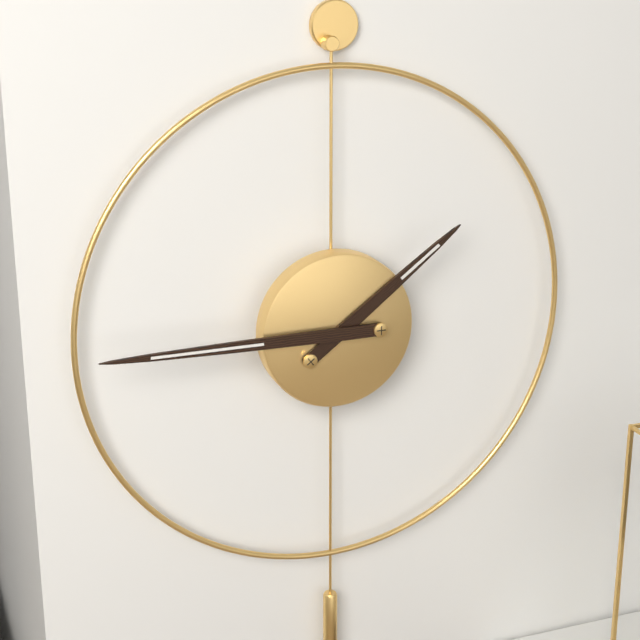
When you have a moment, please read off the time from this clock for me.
1:45
